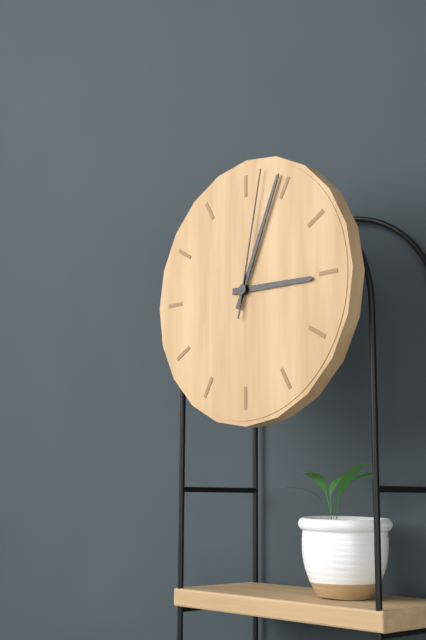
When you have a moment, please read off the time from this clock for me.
3:04:02
